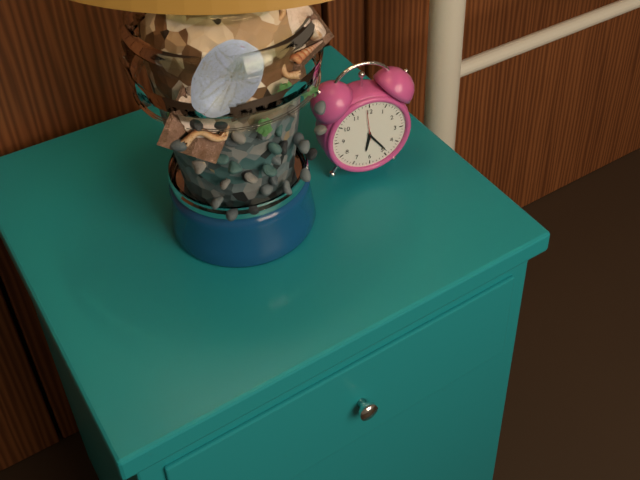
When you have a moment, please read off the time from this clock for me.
6:24
